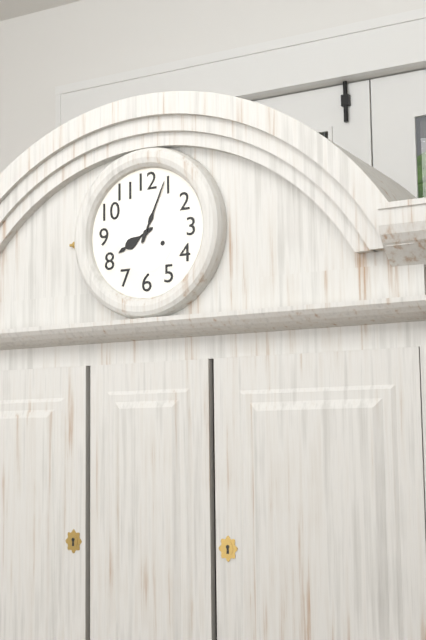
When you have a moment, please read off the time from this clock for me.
8:04
